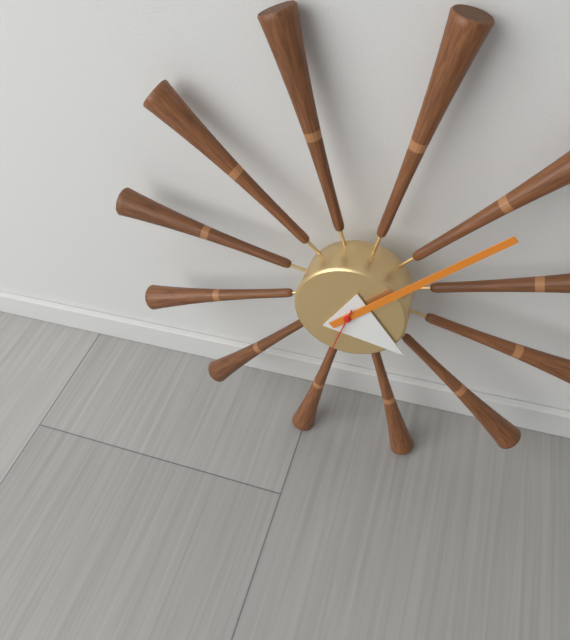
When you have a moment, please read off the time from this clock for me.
4:08:33
